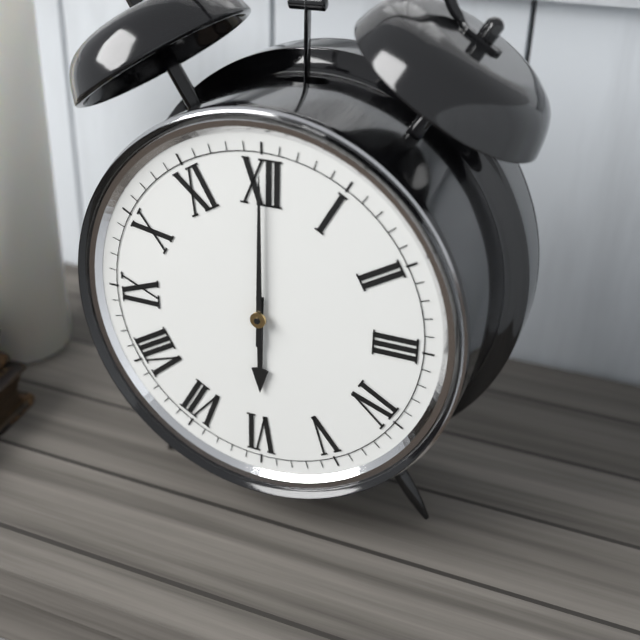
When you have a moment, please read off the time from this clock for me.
6:00
